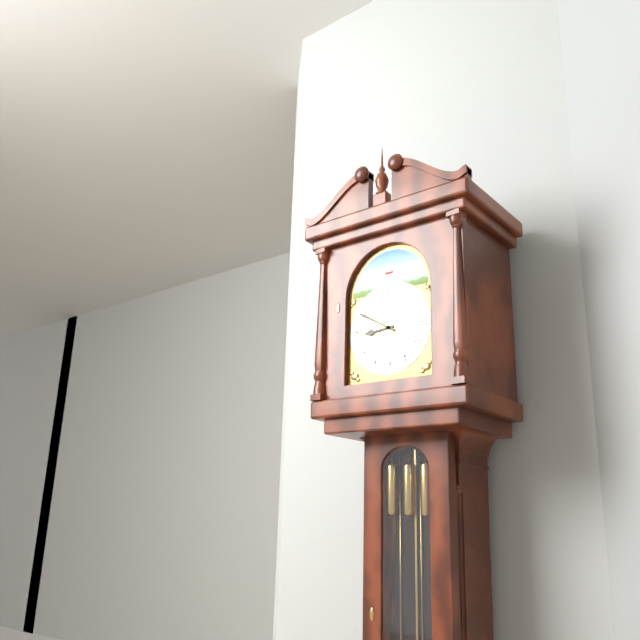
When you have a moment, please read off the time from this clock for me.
8:50
